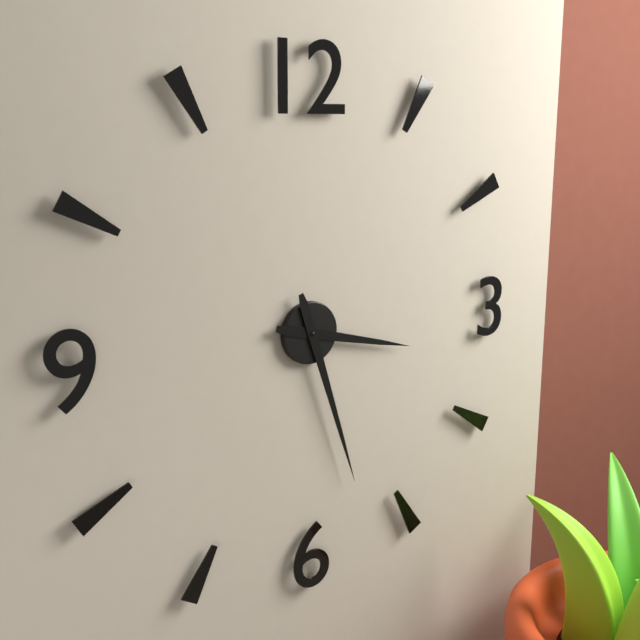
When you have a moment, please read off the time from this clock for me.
3:27
